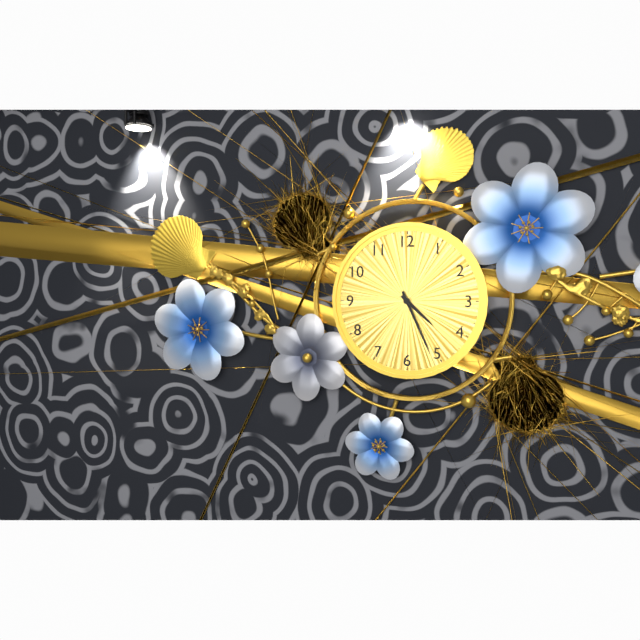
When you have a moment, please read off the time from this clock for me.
4:26
